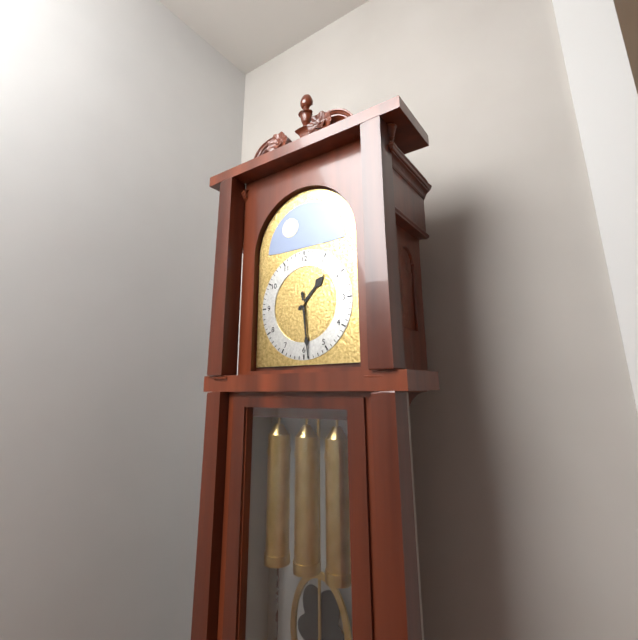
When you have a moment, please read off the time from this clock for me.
1:29
